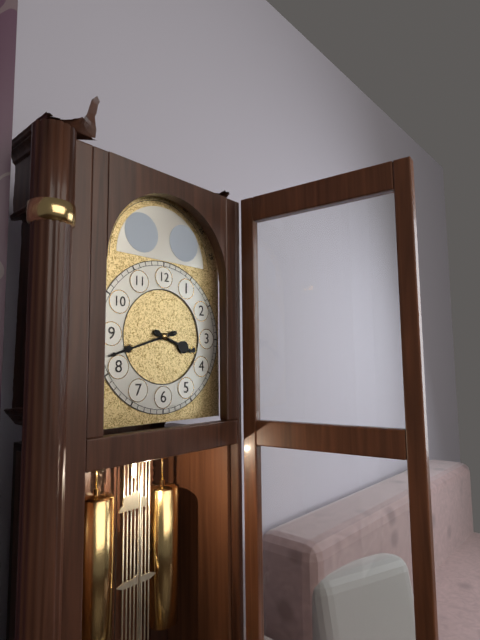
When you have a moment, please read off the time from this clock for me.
3:42
